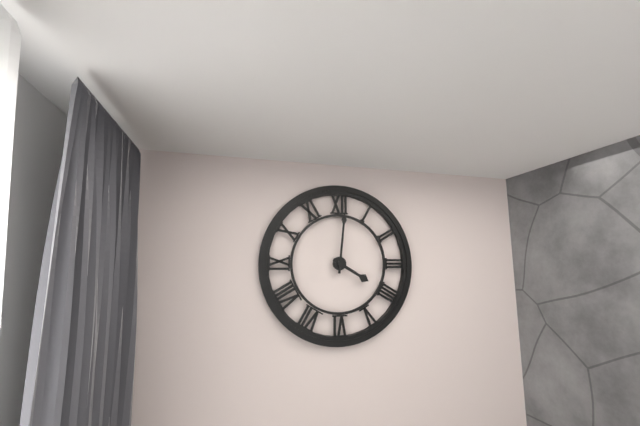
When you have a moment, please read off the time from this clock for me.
4:01
